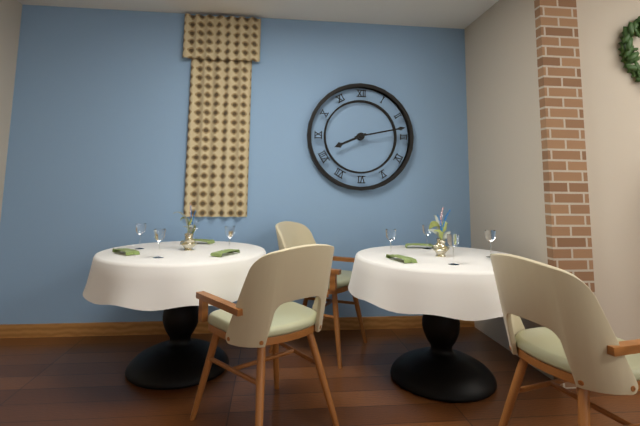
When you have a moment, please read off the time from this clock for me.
8:13
